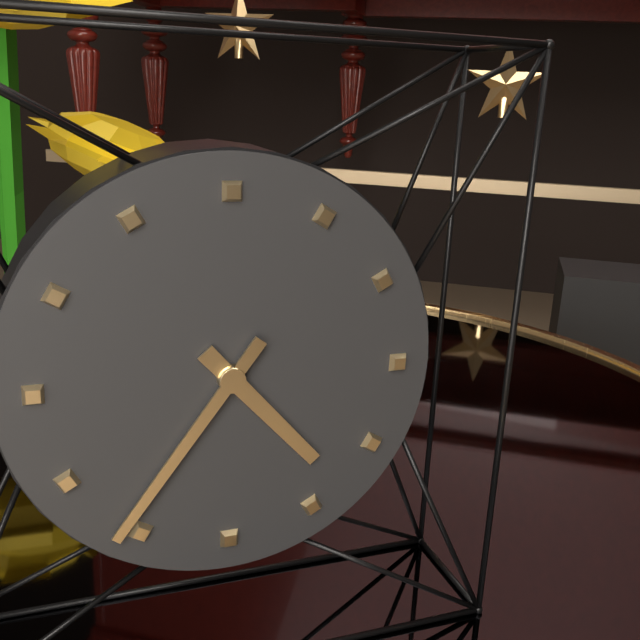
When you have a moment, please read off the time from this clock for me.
4:36
